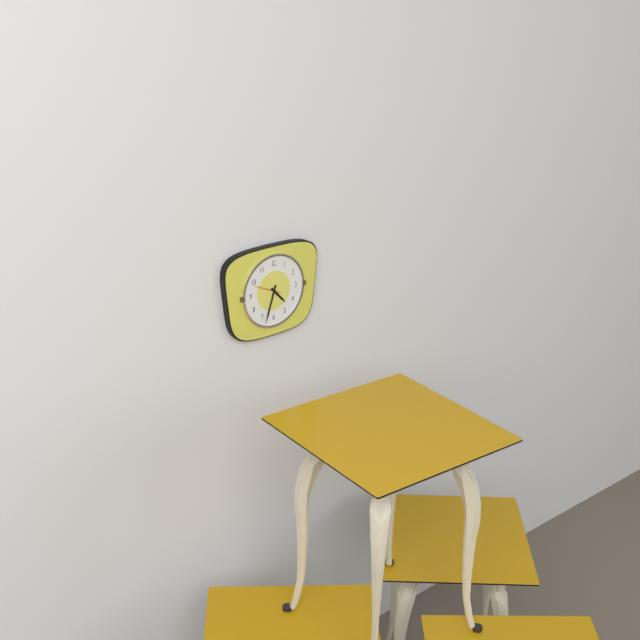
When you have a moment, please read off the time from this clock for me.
4:33
